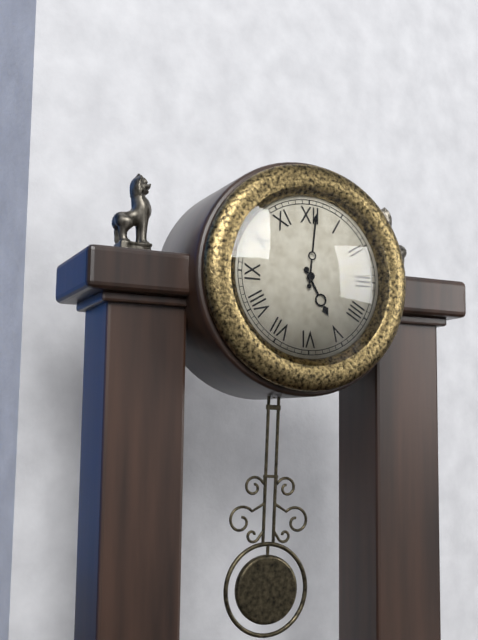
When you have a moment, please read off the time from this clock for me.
5:01
